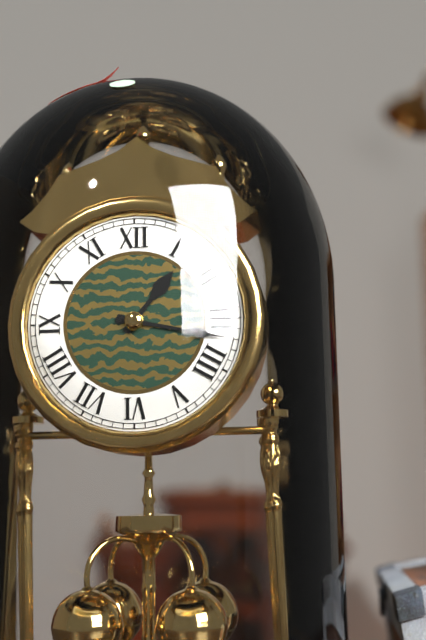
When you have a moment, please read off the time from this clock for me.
1:17
